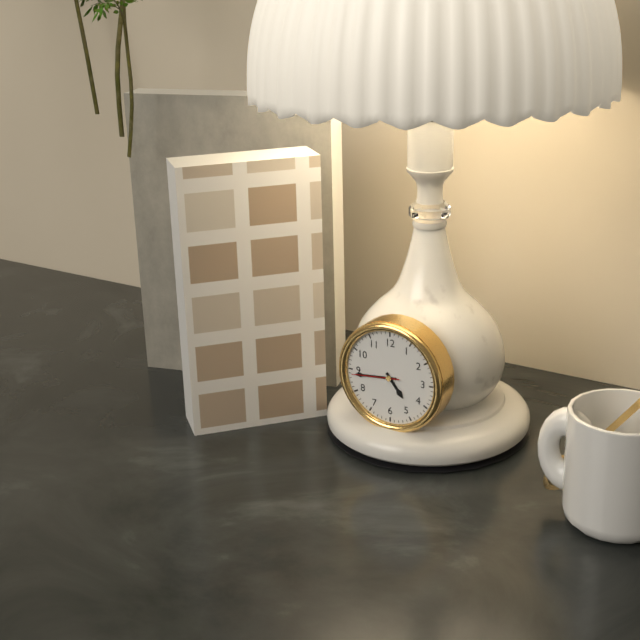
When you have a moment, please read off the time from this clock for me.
4:44
